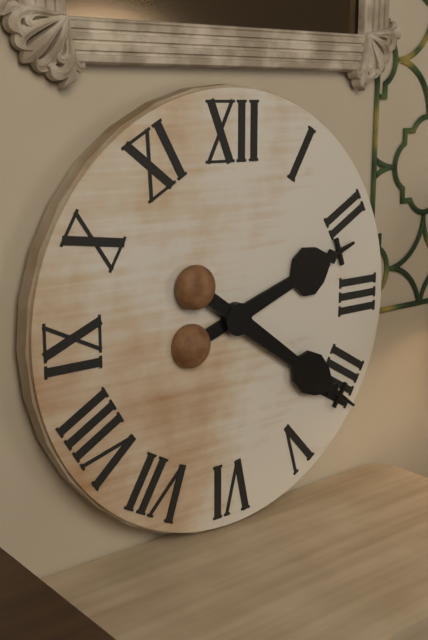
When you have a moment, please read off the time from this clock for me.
2:21
